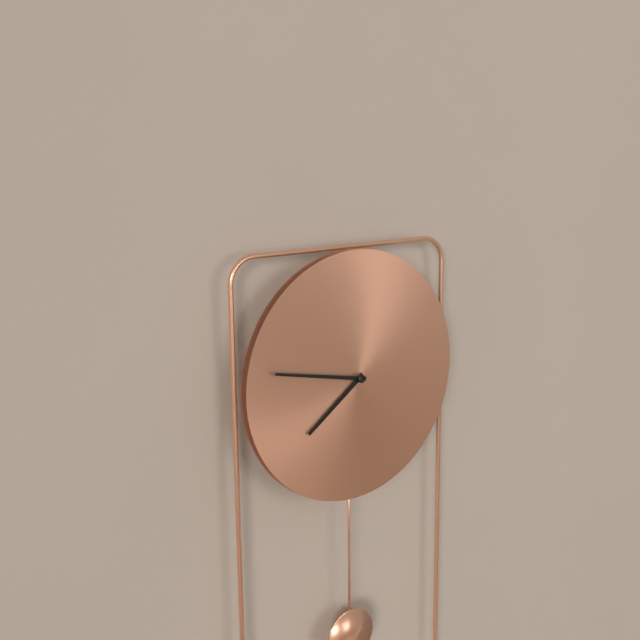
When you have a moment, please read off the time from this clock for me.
7:47
